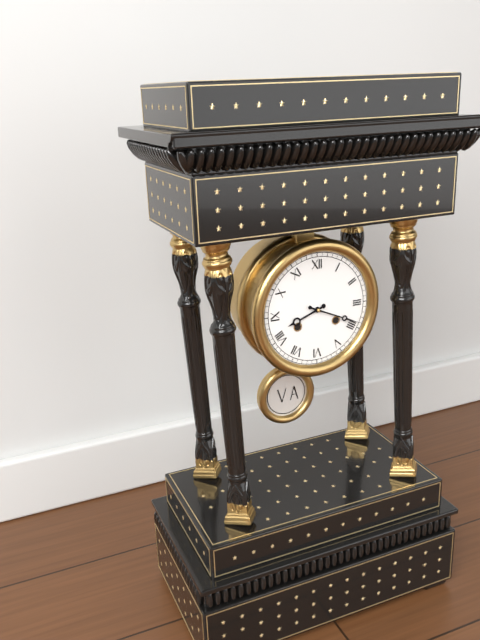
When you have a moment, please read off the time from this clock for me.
8:19
